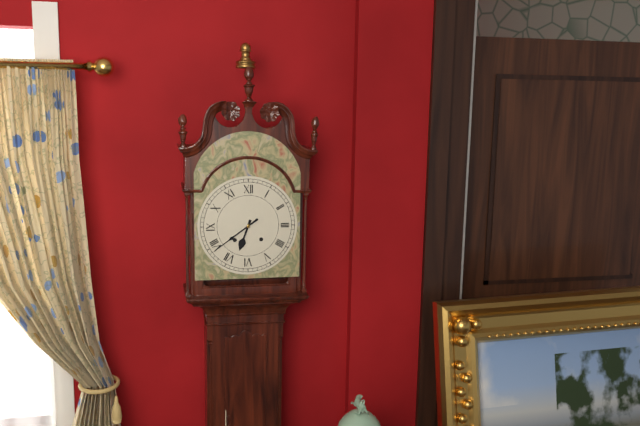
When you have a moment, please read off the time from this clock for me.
6:39
